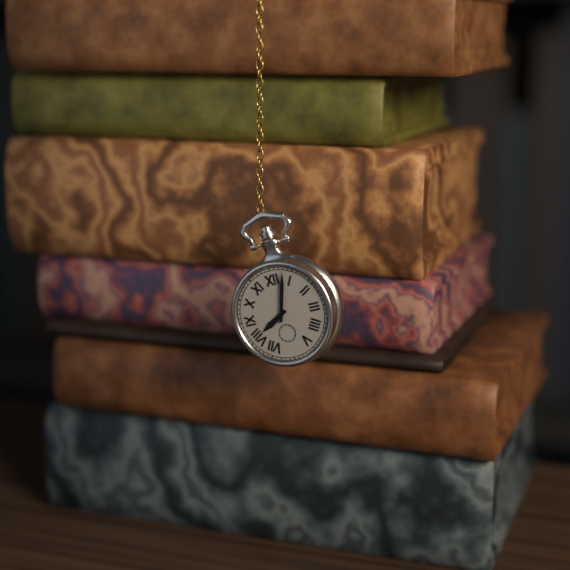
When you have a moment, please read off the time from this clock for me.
8:03
